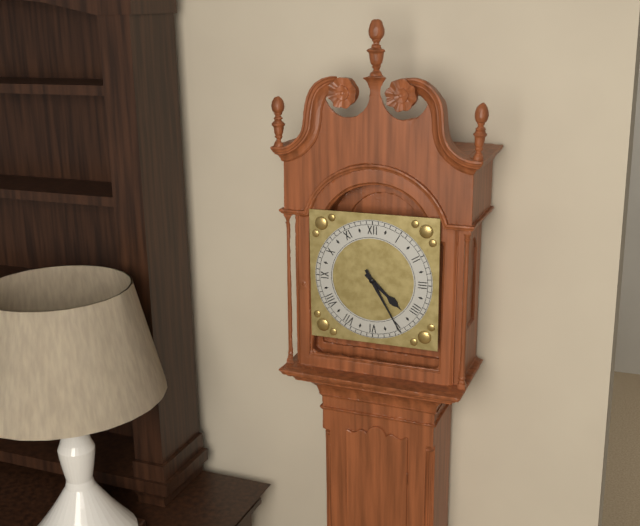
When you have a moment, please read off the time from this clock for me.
4:25
